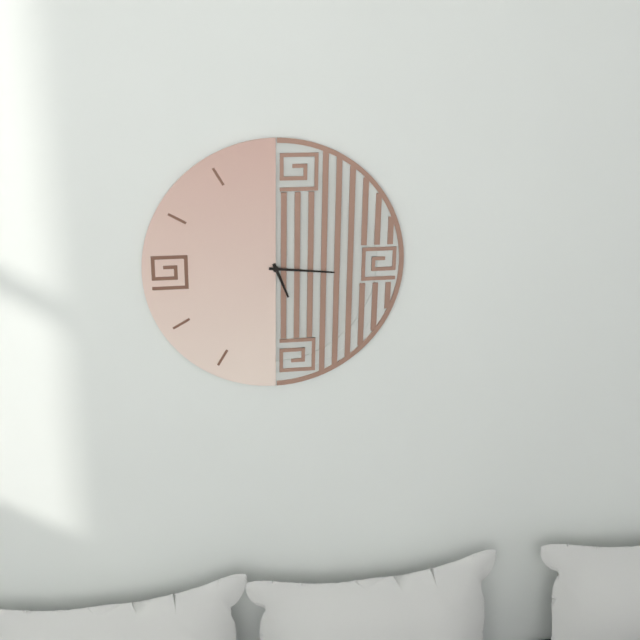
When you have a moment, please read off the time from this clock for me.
5:16
